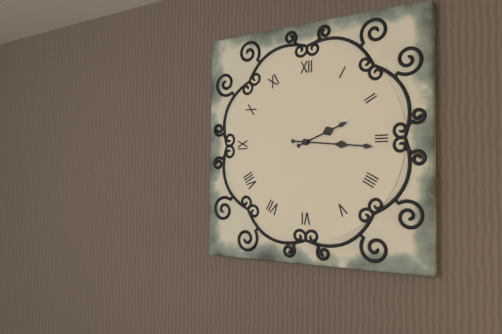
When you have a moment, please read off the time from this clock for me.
2:16
